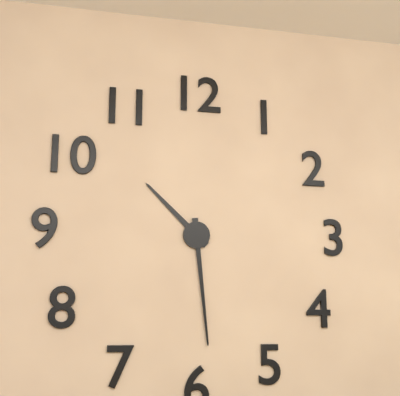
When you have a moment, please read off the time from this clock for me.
10:29
